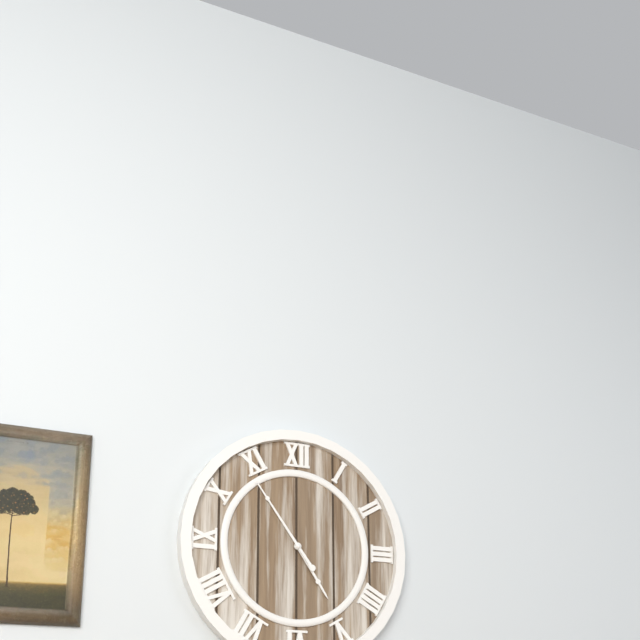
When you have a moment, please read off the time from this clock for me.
4:54
